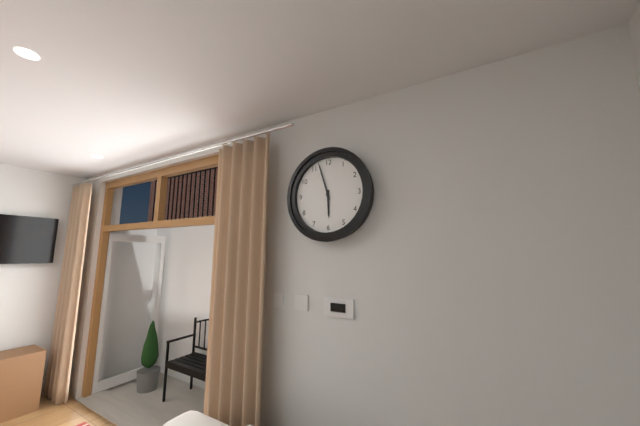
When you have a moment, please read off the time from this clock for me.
5:57
